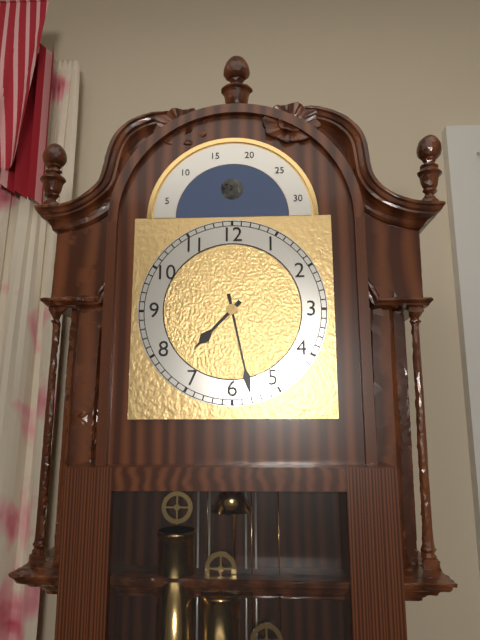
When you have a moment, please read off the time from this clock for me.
7:28
